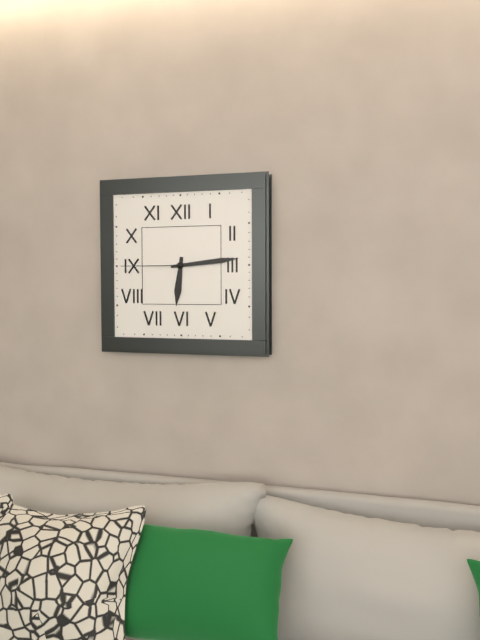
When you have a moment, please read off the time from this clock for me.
6:14:45
